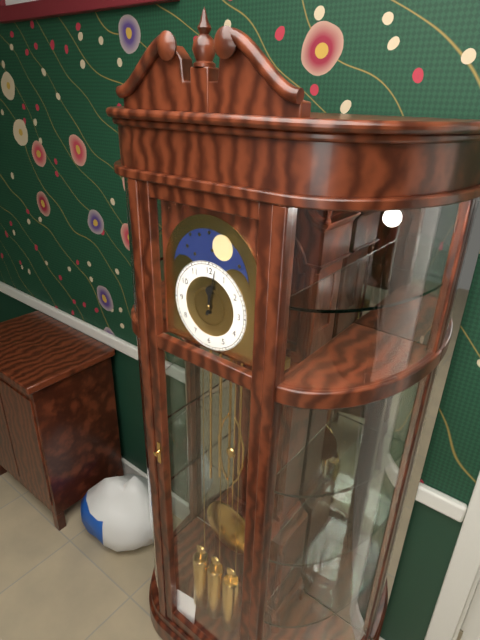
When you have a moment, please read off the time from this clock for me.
12:02
